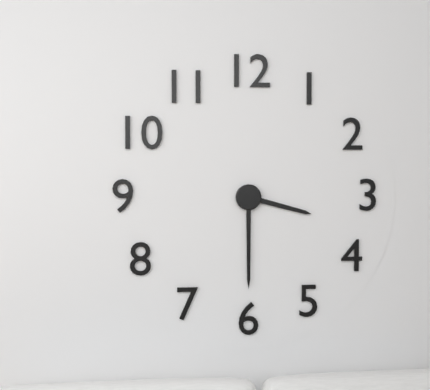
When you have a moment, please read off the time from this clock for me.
3:30
